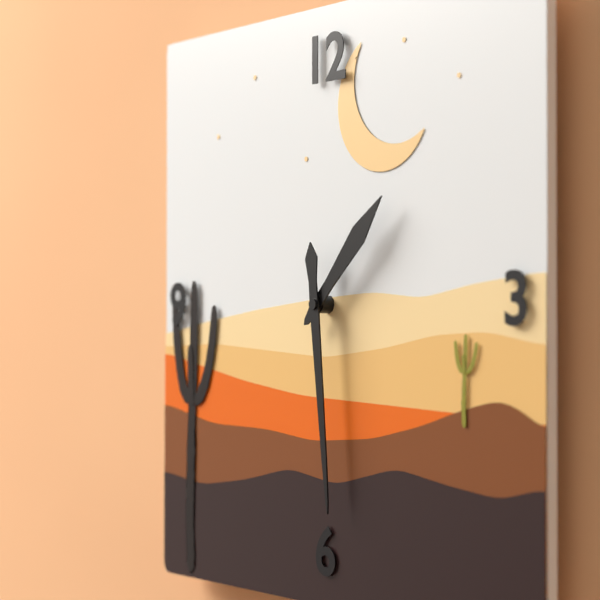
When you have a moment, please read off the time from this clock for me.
1:29
